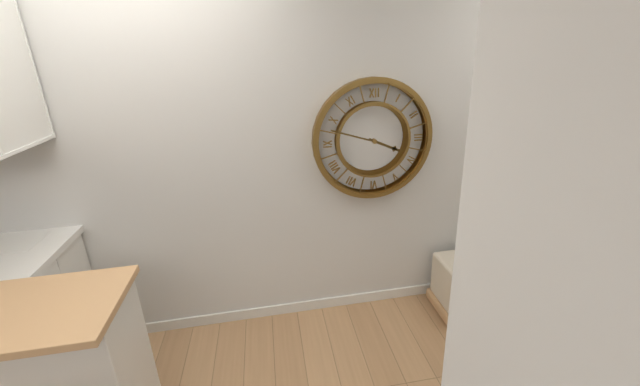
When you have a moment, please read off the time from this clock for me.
3:48
